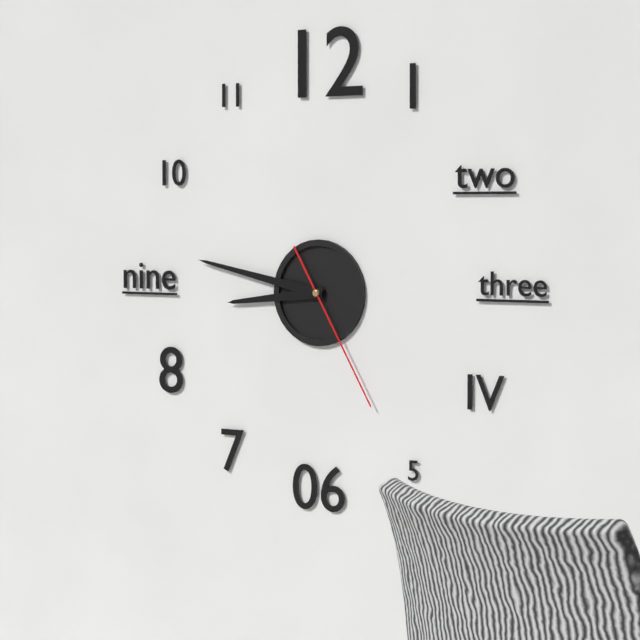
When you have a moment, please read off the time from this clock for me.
8:47:25
